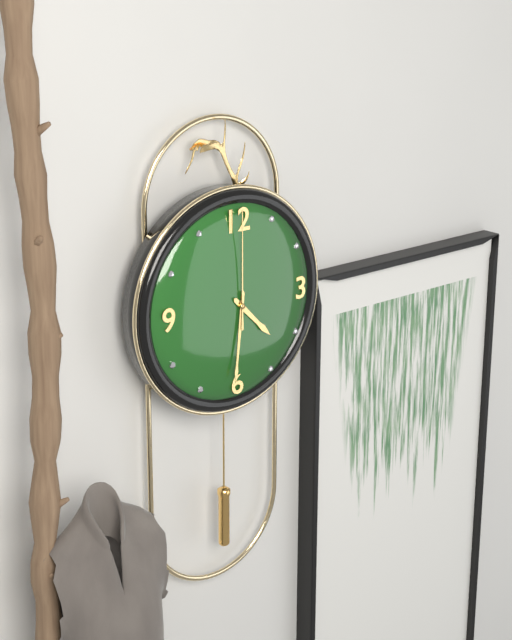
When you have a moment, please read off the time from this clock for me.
4:31:00
